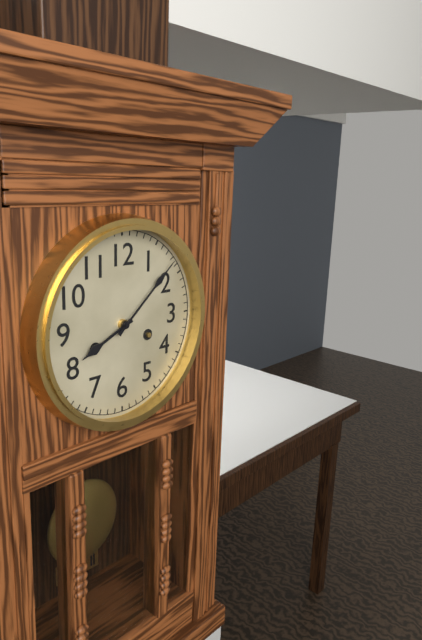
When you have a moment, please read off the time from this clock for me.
8:08
